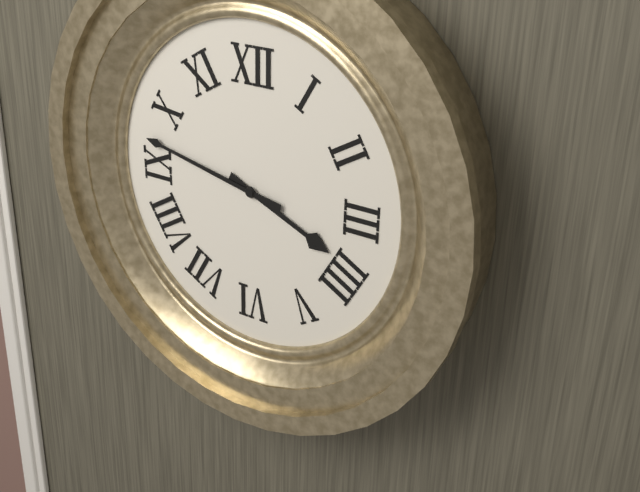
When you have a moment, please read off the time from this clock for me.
3:47
